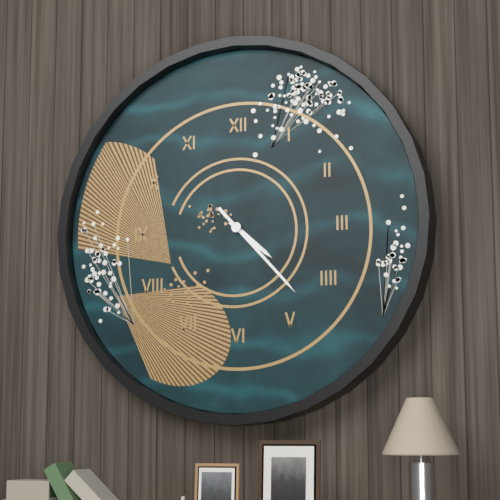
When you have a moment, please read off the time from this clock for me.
4:23
